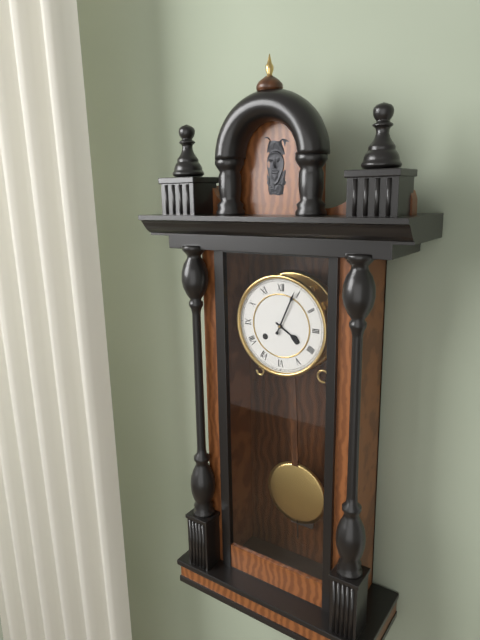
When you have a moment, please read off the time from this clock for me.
4:04
